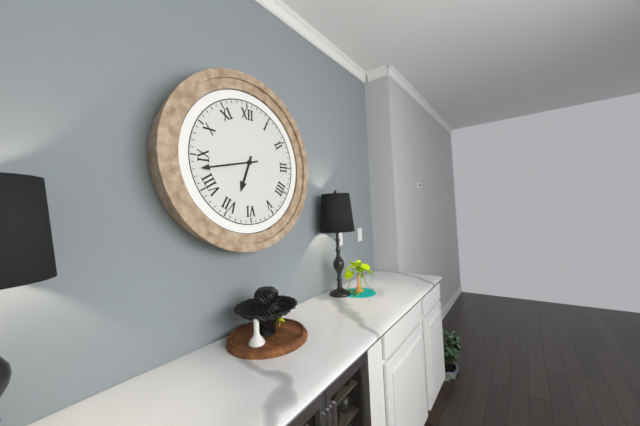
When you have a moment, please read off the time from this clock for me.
6:43
